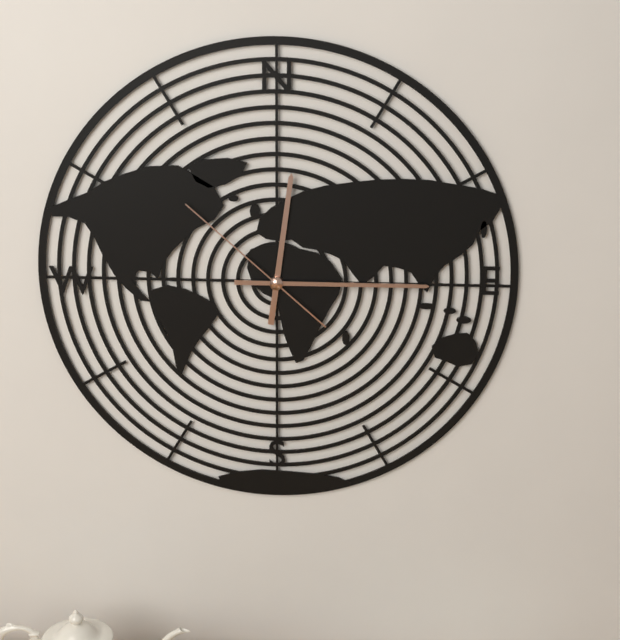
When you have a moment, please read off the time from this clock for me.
12:15:52
